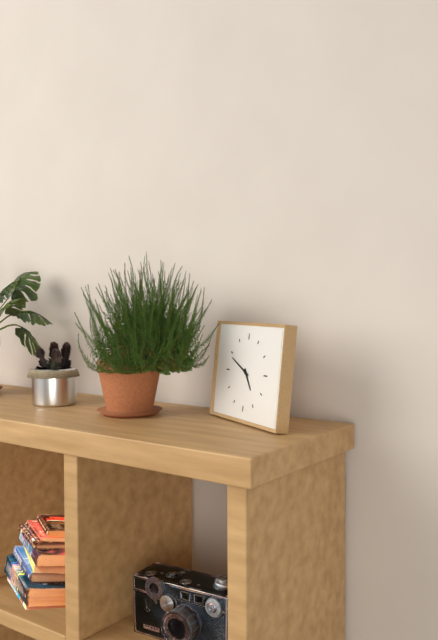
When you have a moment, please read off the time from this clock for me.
4:49
